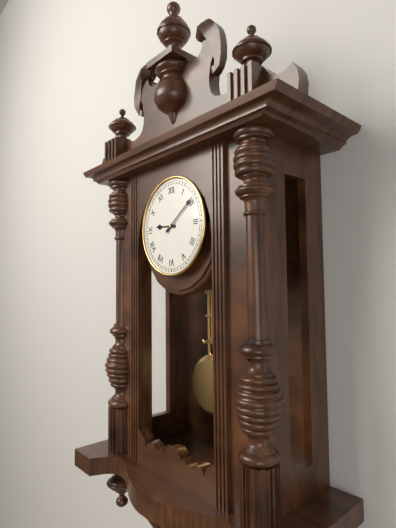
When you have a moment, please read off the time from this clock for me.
9:09
